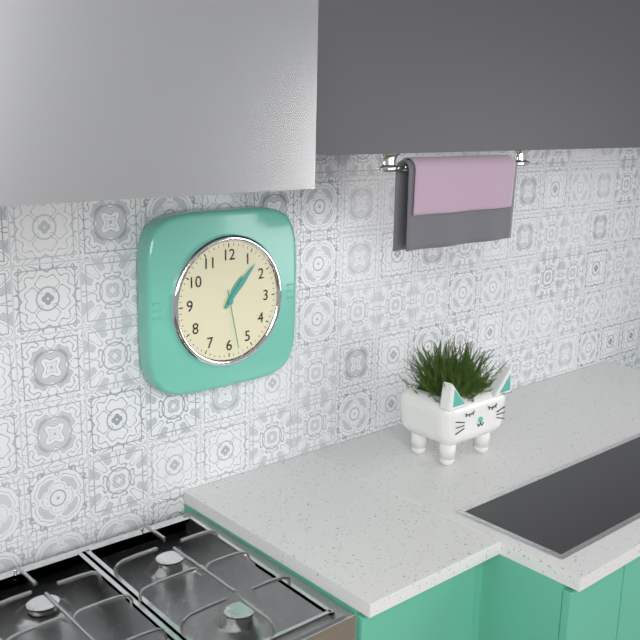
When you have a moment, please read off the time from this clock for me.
1:07:28
